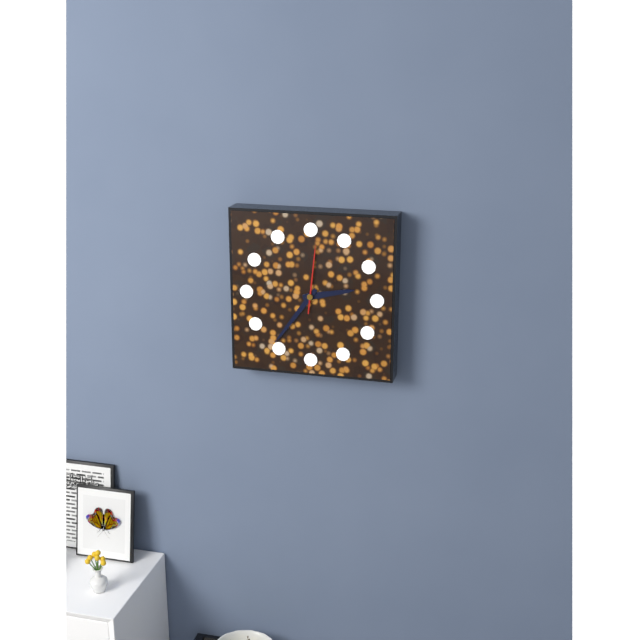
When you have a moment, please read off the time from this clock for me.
2:36:01
